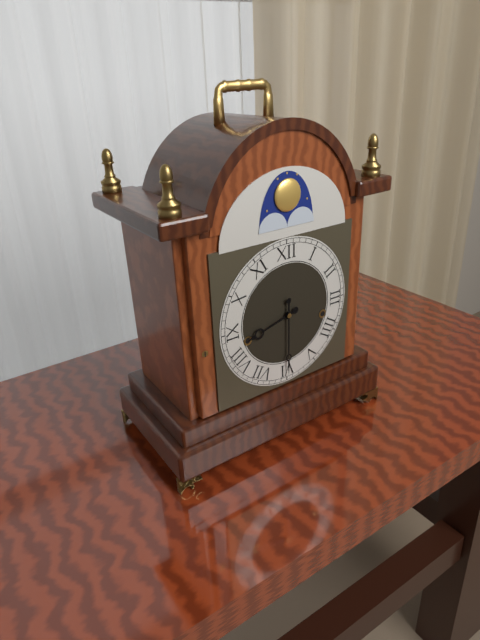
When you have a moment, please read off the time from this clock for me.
8:30
